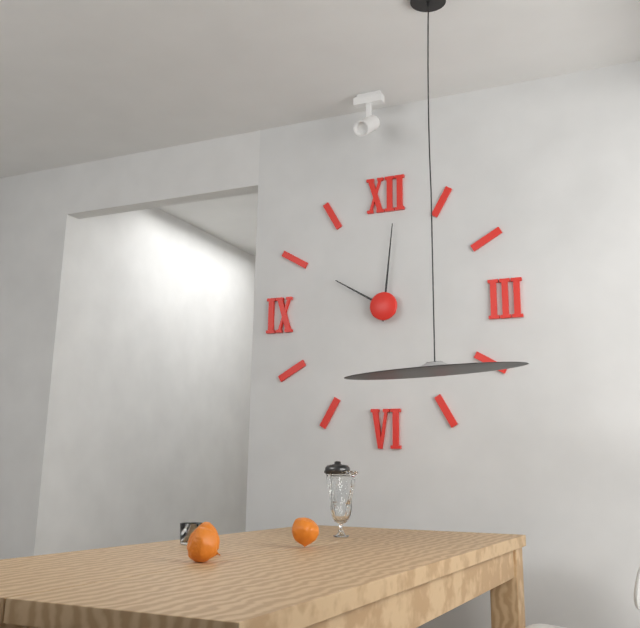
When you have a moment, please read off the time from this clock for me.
10:01
